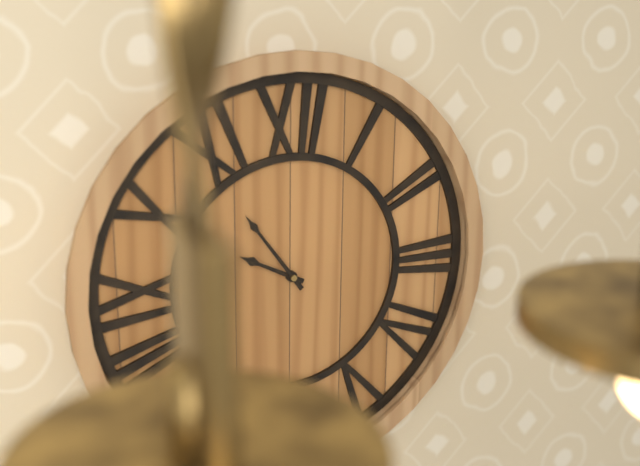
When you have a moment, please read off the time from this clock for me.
9:54
